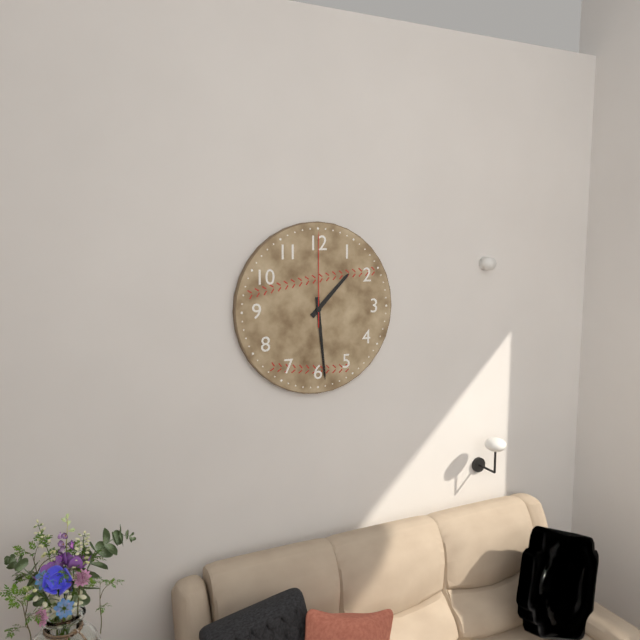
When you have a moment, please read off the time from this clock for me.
1:29:00
